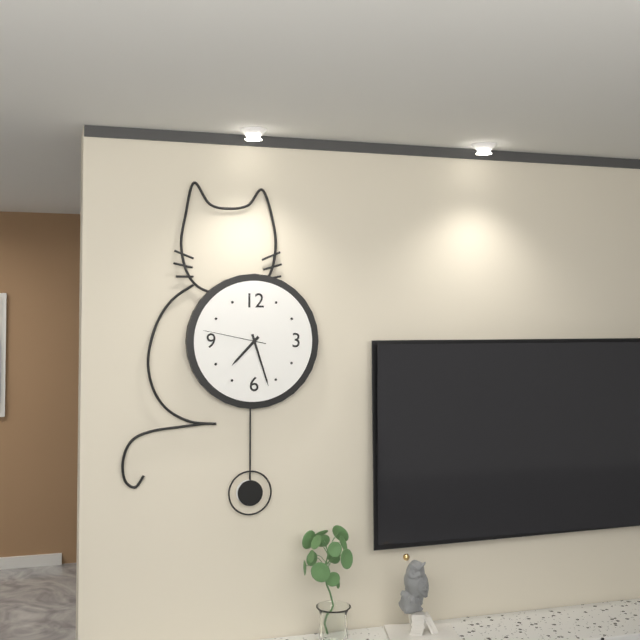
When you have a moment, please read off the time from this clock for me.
7:27:47
